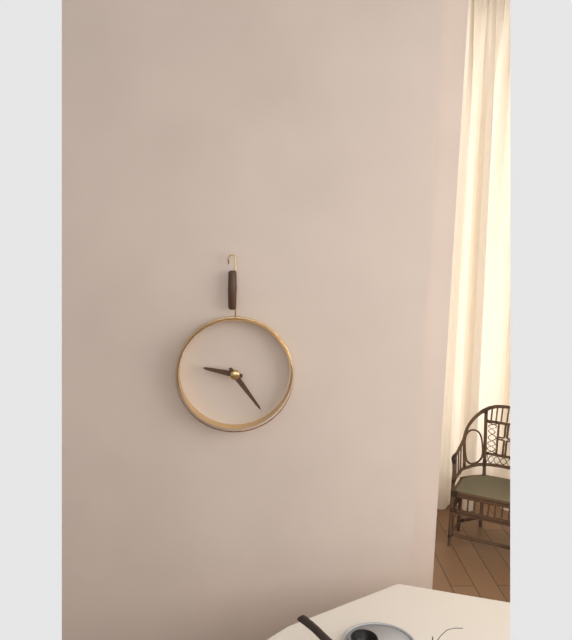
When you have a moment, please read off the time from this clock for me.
9:24
